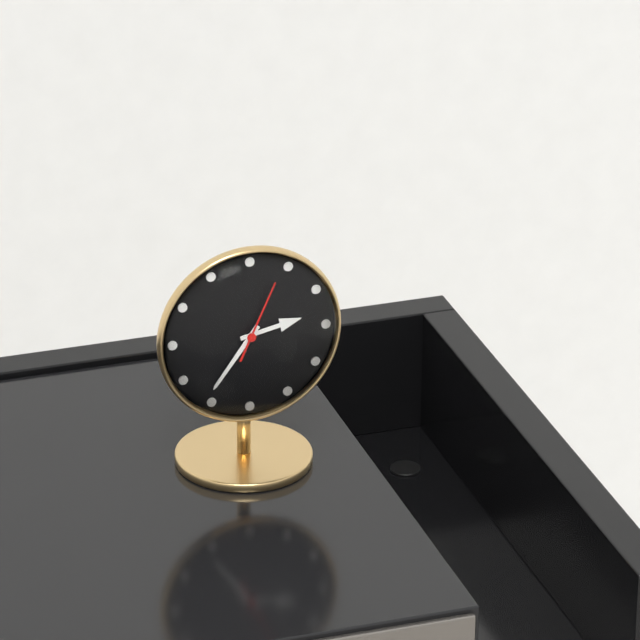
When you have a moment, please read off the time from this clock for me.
2:36:04
